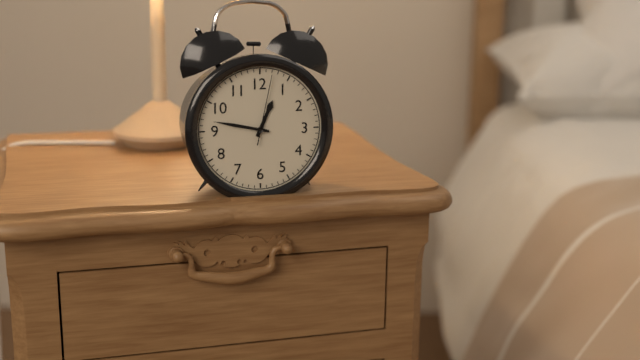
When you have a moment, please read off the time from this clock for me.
12:47:02
